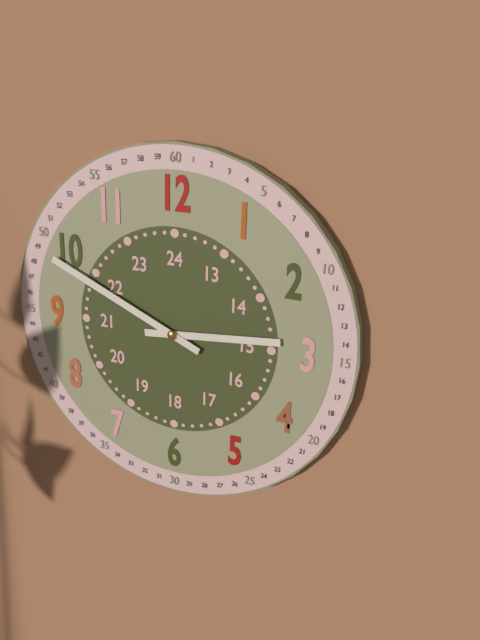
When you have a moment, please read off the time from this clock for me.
2:49
